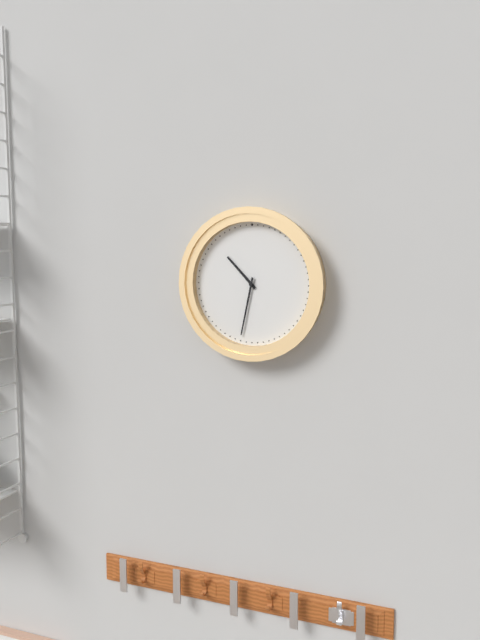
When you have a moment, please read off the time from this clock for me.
10:32
